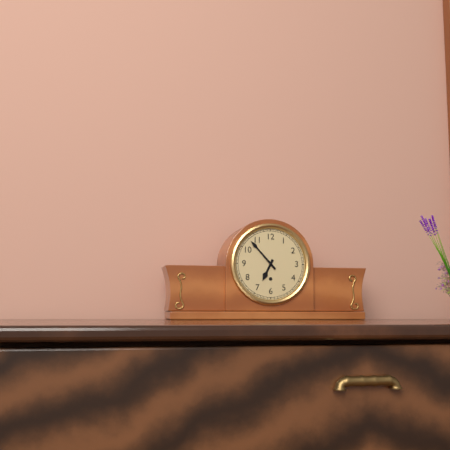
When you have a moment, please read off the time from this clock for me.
6:53
